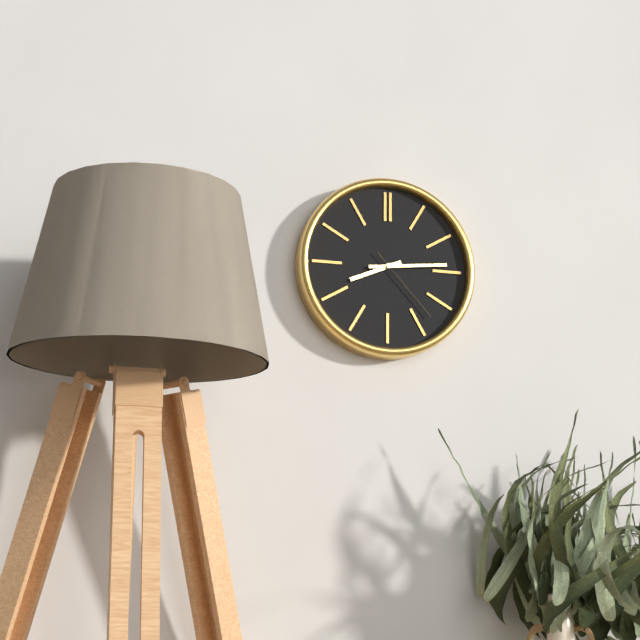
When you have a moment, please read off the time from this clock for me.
8:14:23
